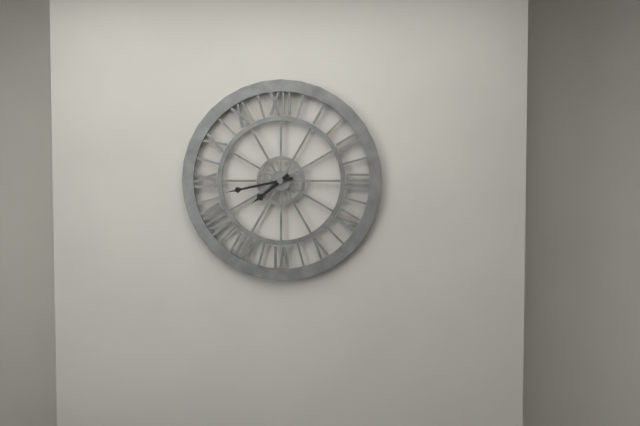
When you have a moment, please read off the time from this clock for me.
7:43
